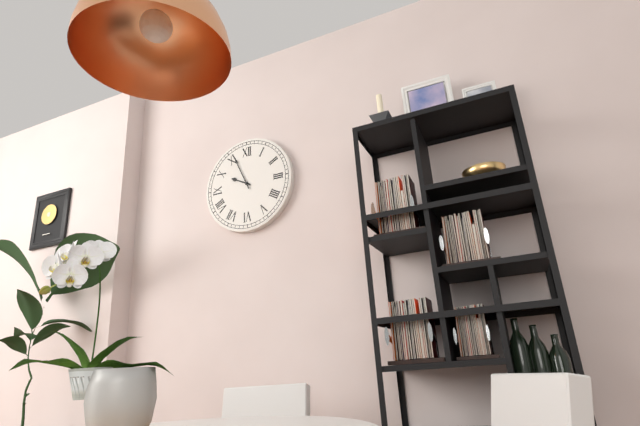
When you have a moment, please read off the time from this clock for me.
9:56
